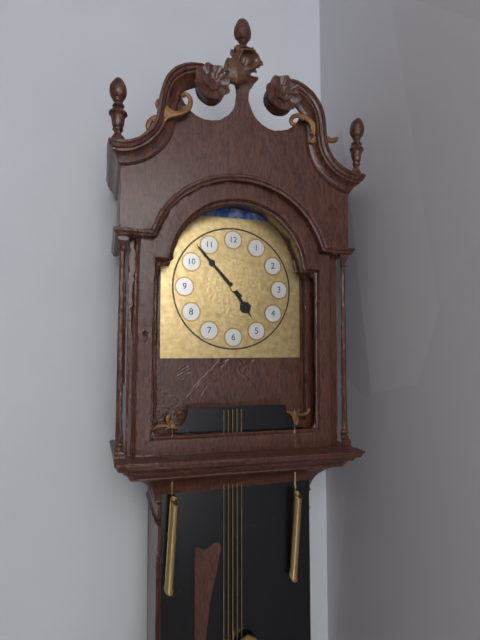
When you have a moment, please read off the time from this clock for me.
4:53
